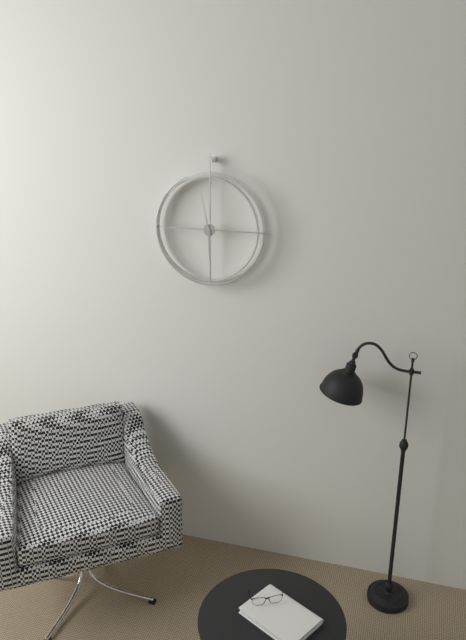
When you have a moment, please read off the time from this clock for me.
5:58
